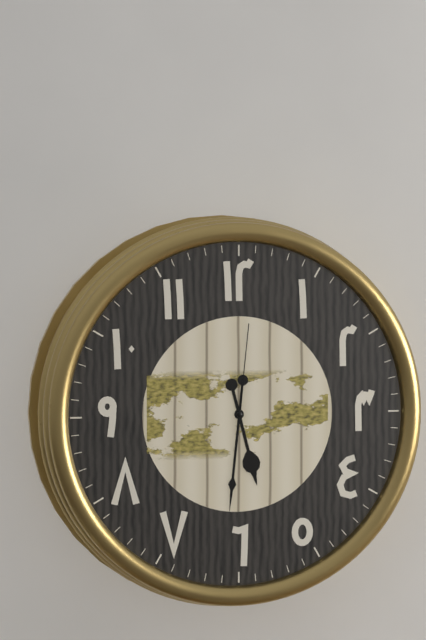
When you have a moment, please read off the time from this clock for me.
5:31:01
